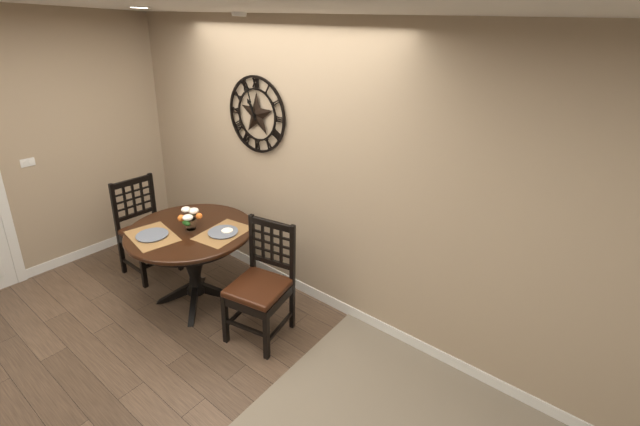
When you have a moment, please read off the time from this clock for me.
10:57
